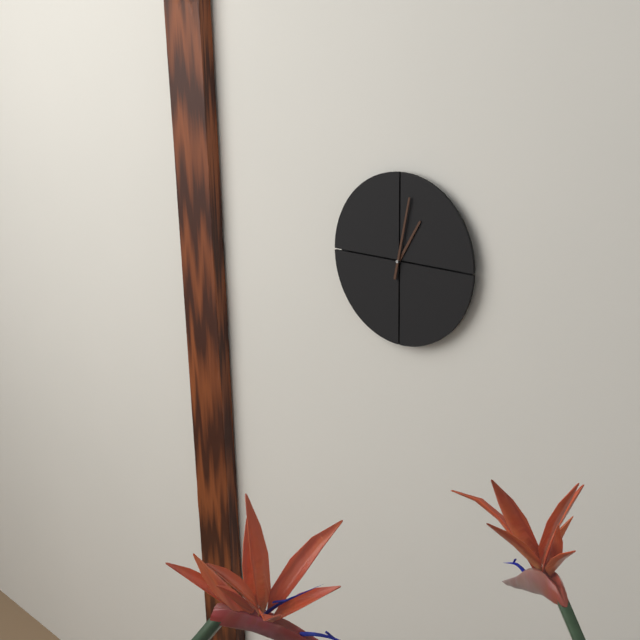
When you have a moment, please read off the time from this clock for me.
1:02
